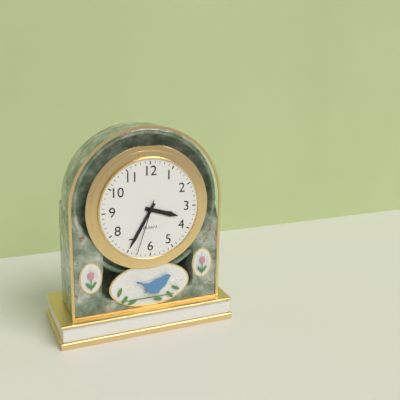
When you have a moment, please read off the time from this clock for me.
3:35:33
